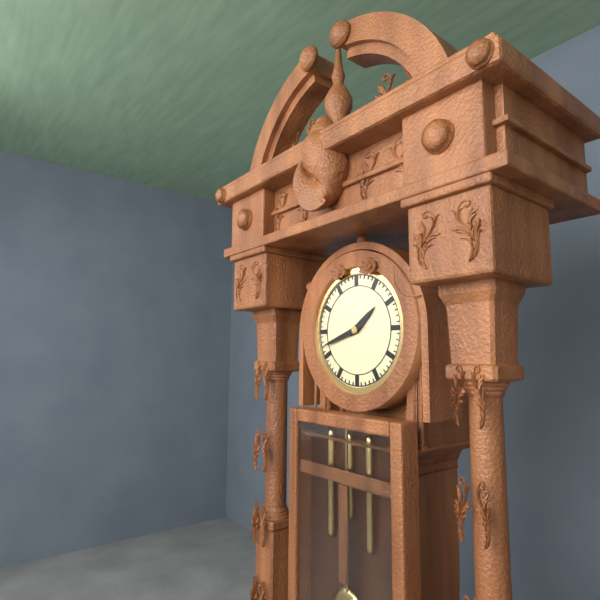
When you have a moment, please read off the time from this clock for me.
1:42
